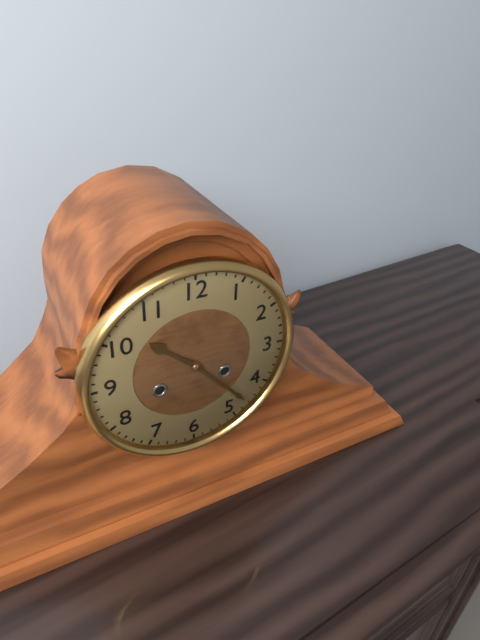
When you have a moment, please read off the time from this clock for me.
10:23
